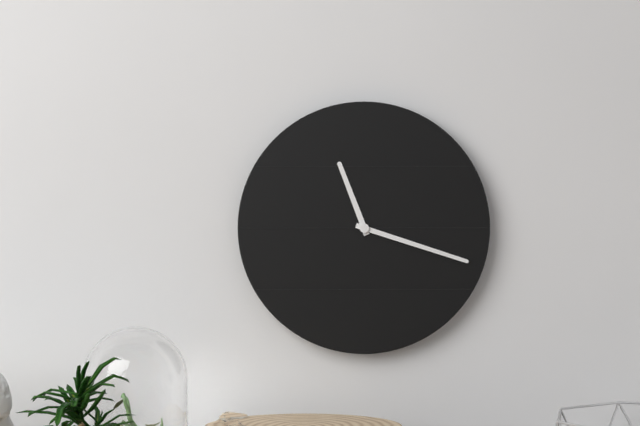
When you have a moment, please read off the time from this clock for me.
11:18
